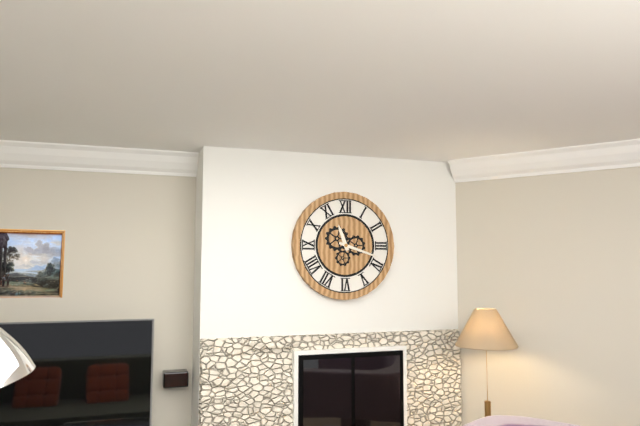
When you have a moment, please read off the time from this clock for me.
11:18
